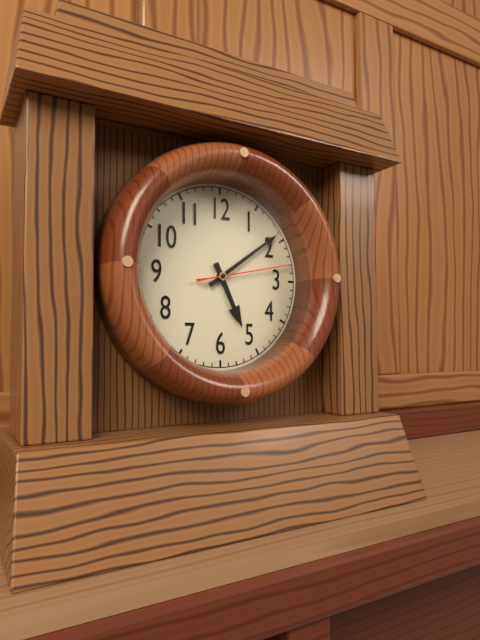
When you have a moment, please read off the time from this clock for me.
5:09:13
